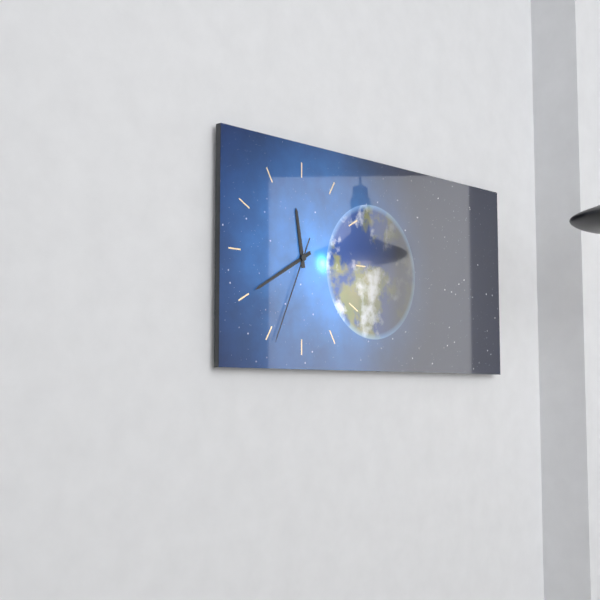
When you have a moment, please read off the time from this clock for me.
11:40:34
